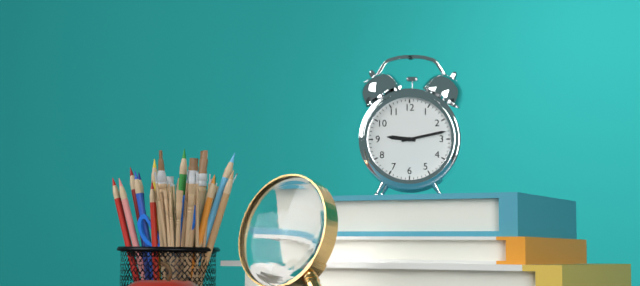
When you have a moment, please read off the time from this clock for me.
9:13
